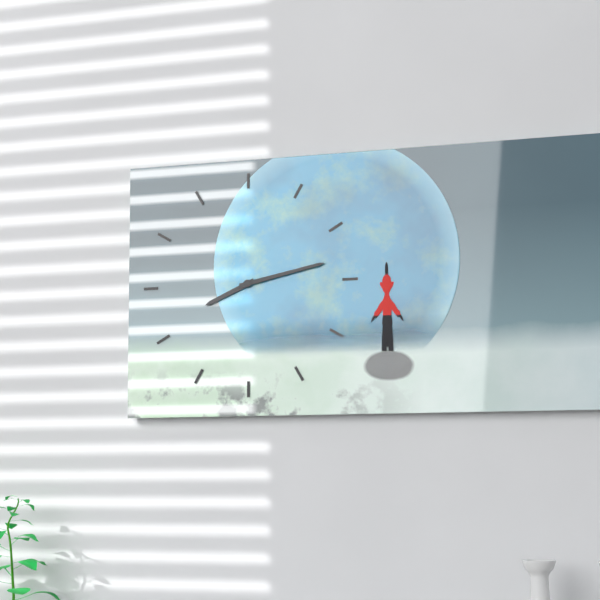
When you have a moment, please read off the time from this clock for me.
8:13
